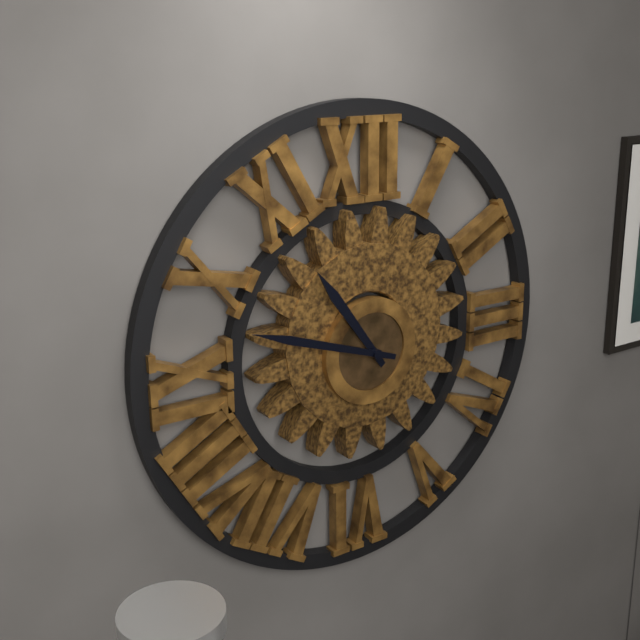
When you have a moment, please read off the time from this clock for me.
10:48
